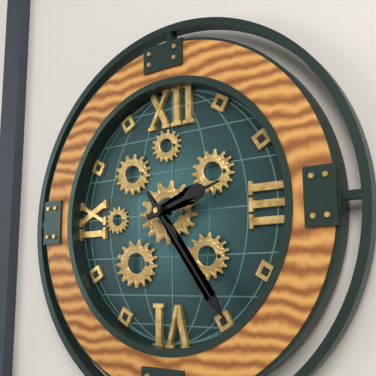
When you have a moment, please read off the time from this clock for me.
2:24
